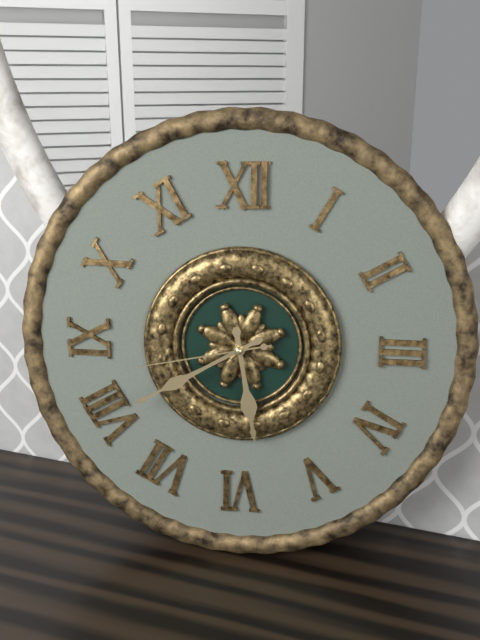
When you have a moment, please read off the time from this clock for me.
5:40:43
